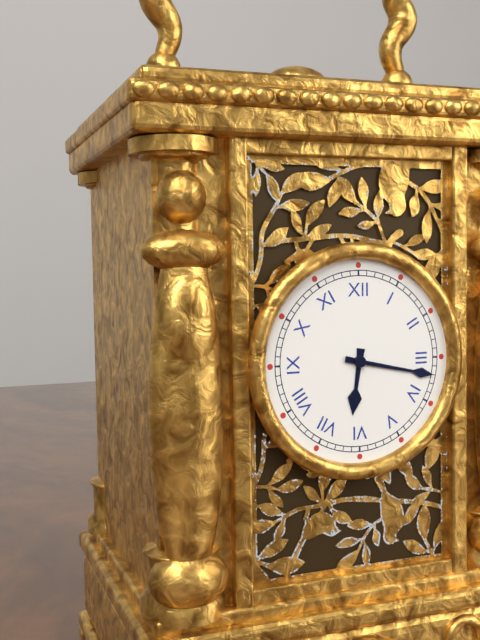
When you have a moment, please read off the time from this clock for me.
6:17
